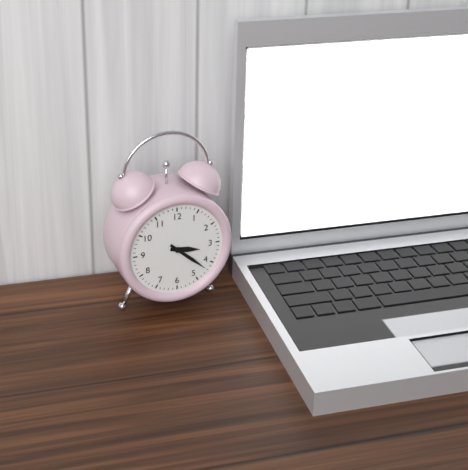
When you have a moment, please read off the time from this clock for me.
3:22
